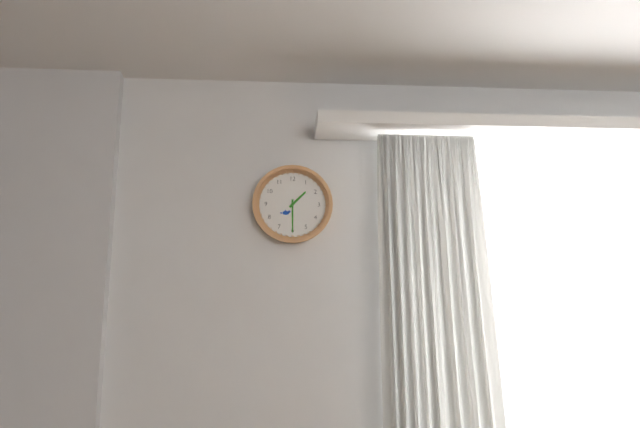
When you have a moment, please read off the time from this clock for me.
1:30
